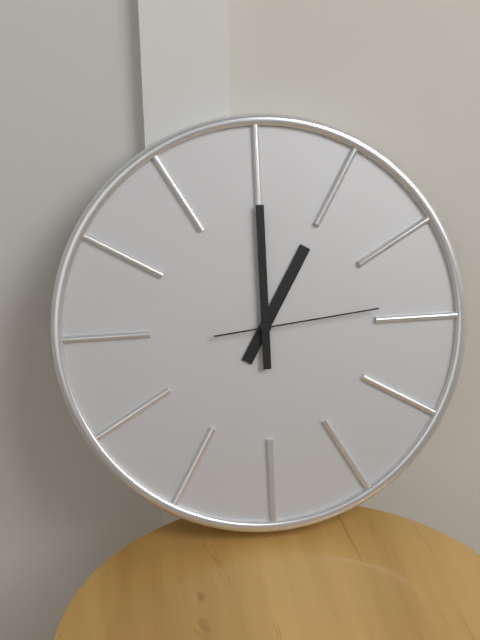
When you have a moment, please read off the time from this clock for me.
1:00:14
